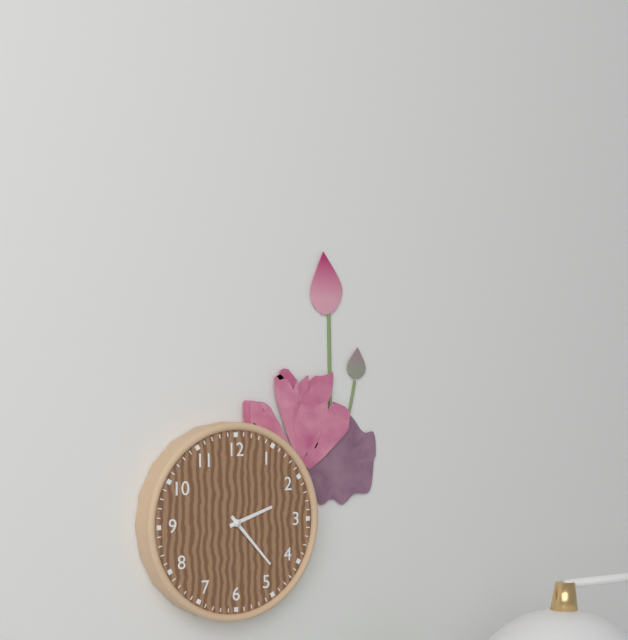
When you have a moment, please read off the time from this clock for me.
2:23
